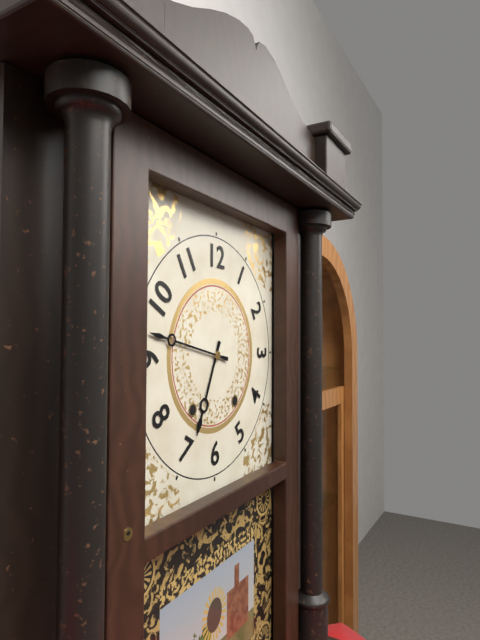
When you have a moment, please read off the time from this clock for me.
6:47
